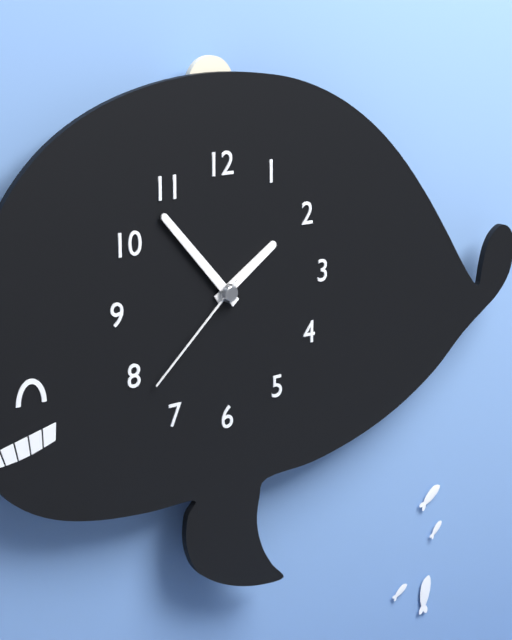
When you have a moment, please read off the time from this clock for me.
1:53:38
